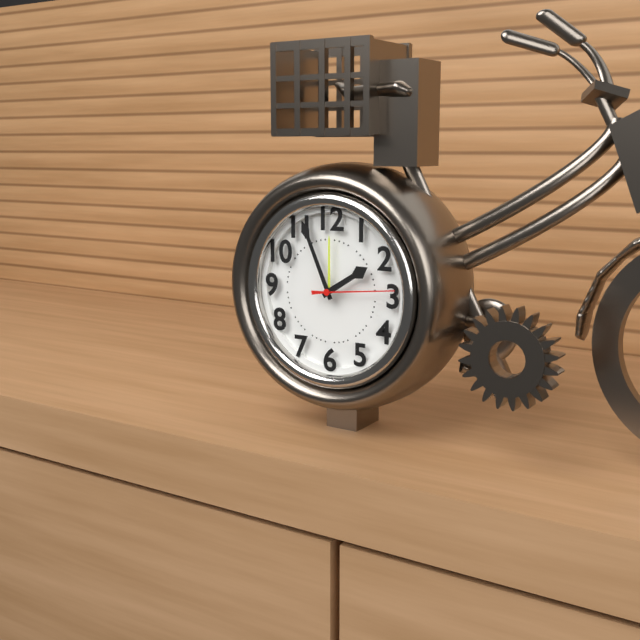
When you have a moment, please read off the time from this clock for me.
1:56:14
